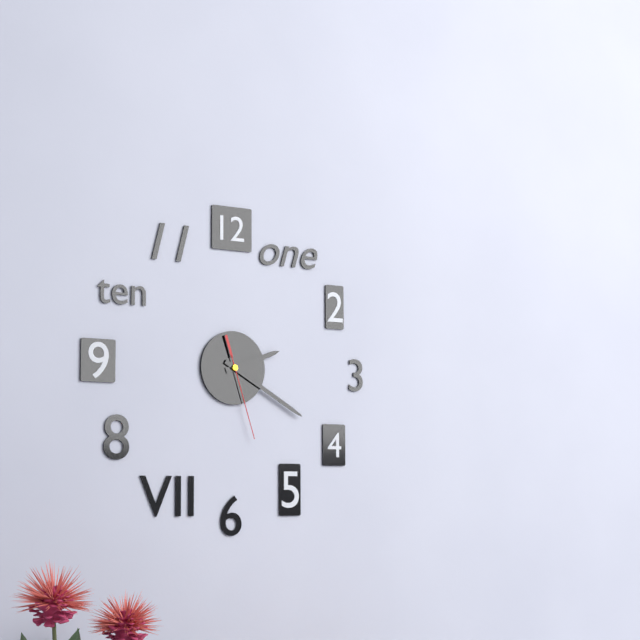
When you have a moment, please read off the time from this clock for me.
2:20:27
